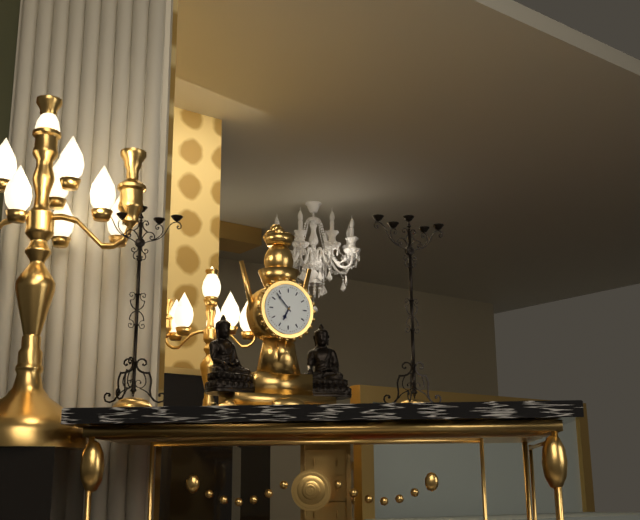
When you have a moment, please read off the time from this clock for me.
6:53
